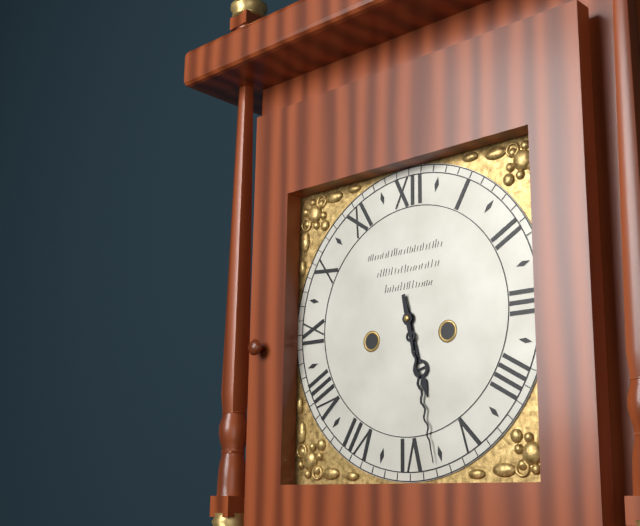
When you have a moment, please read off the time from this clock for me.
5:28
